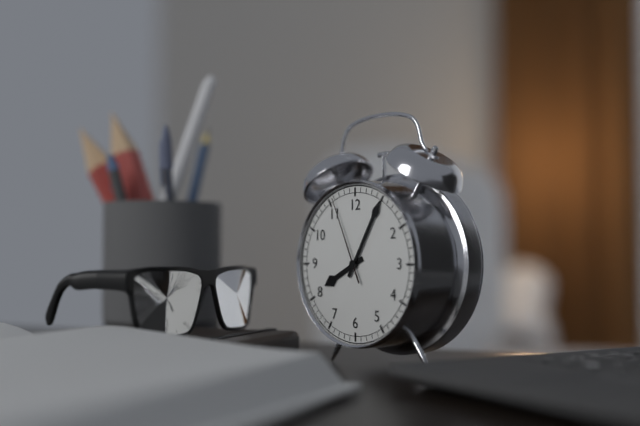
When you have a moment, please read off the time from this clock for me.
8:05:56
